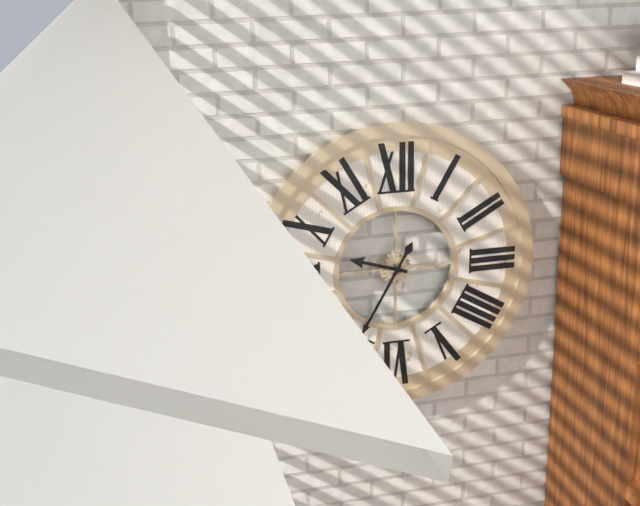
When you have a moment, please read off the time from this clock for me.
9:35
